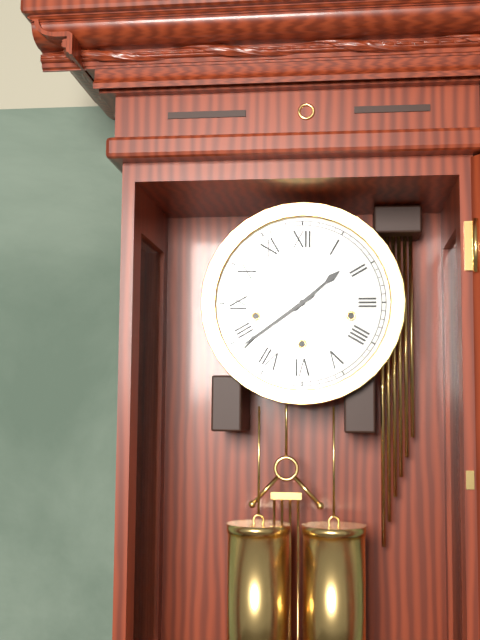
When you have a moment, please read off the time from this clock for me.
1:39
